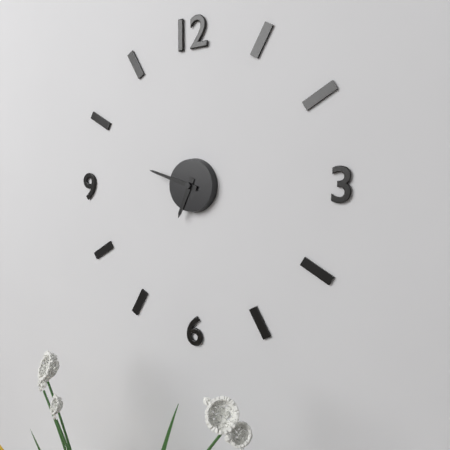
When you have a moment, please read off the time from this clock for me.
6:48
